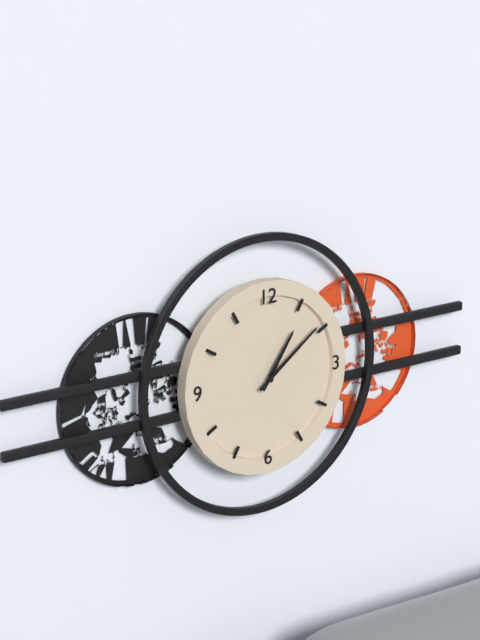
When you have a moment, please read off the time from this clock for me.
1:09
